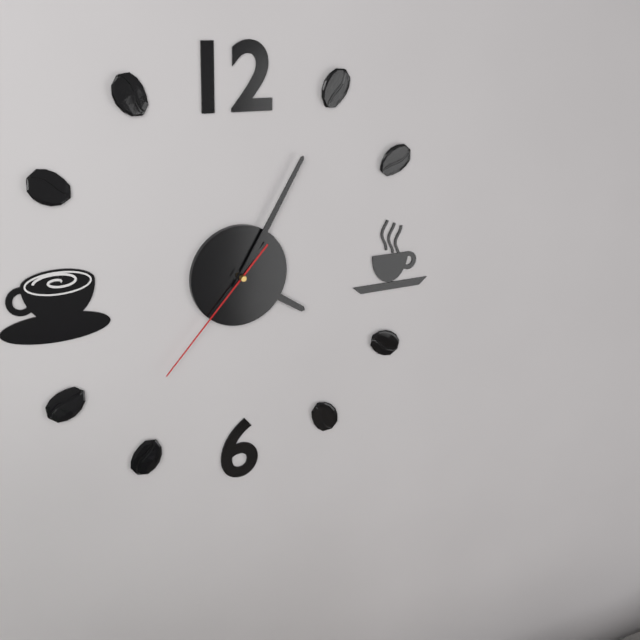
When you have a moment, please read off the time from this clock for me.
4:05:37
